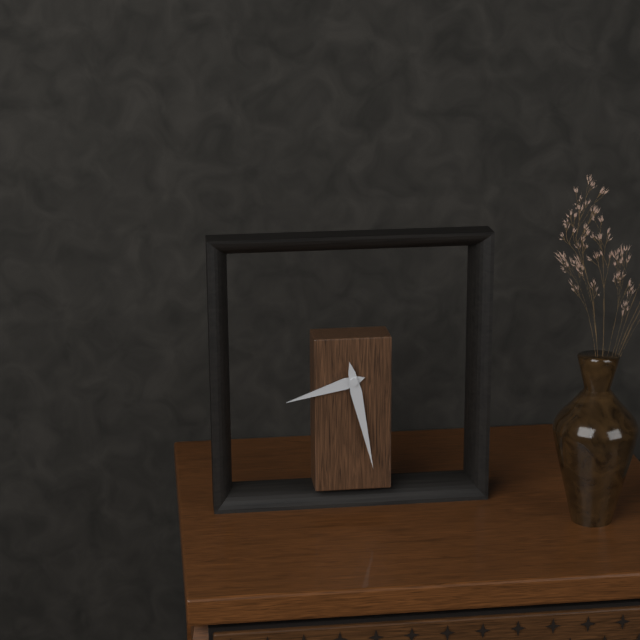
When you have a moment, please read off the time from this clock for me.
8:28
